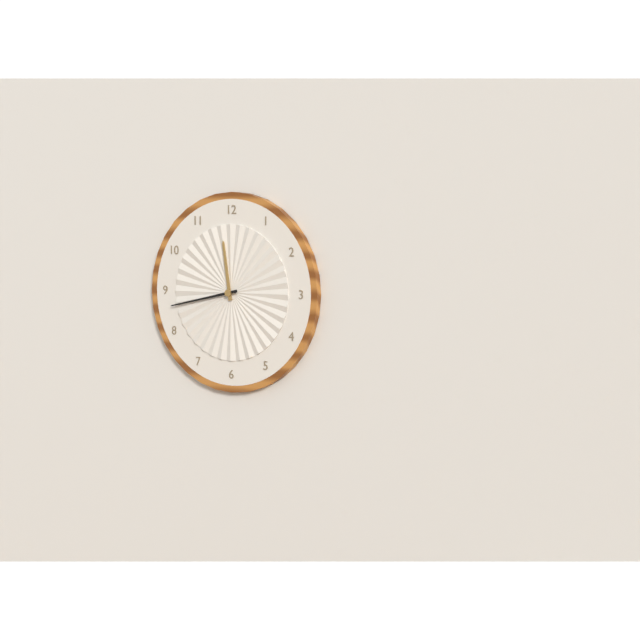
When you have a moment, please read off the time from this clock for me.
11:43
